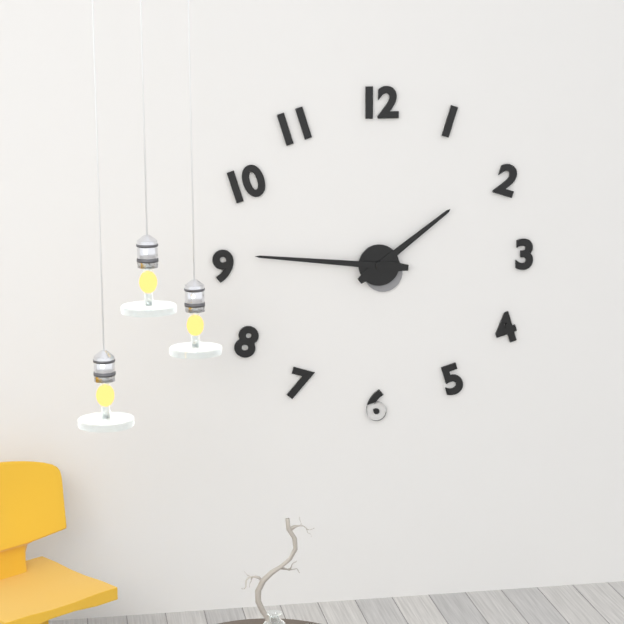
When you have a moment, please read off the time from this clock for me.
1:46
